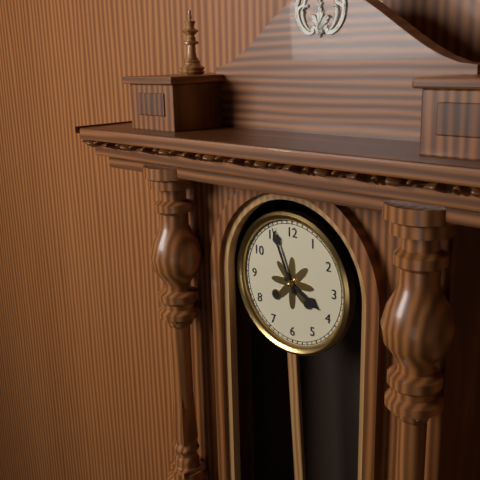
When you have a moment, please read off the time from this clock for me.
3:56
